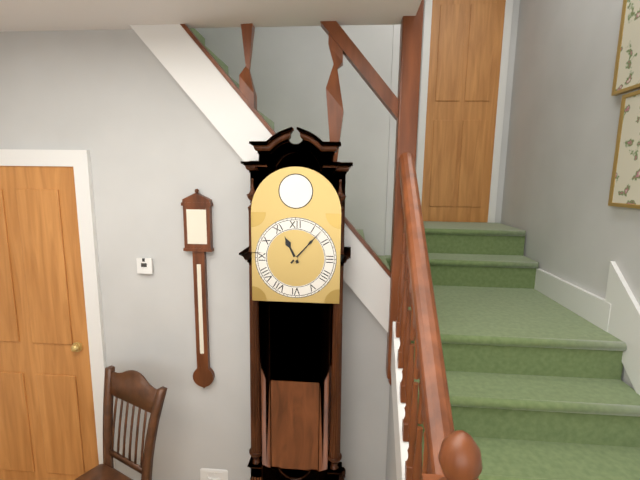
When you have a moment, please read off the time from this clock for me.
11:07
